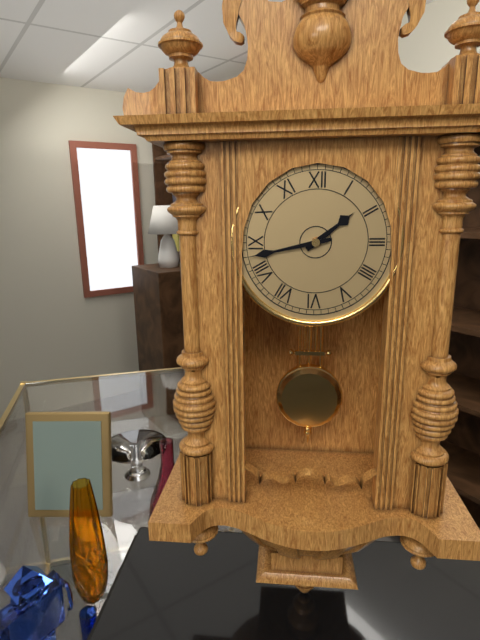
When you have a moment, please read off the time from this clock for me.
1:43
